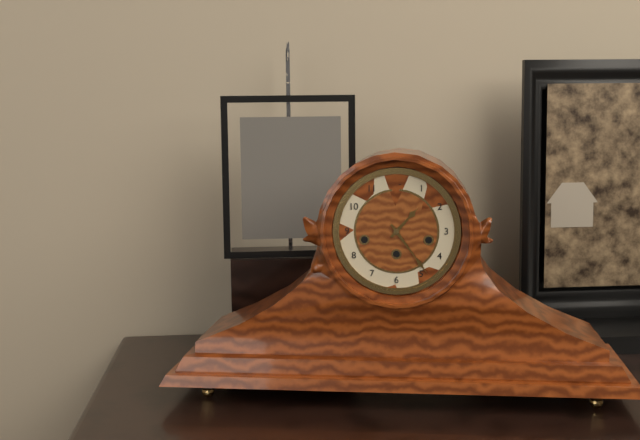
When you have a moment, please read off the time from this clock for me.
1:24
